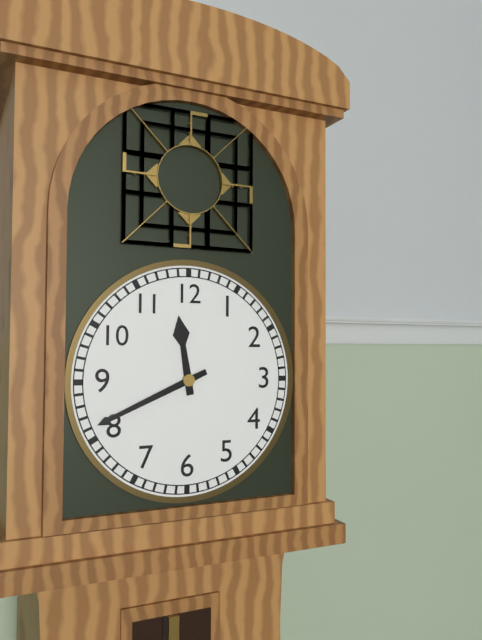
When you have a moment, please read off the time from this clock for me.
11:41
